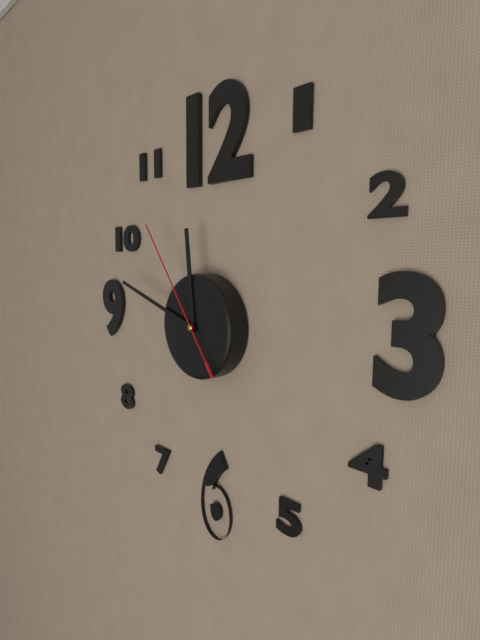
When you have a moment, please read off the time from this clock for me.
11:48:54
